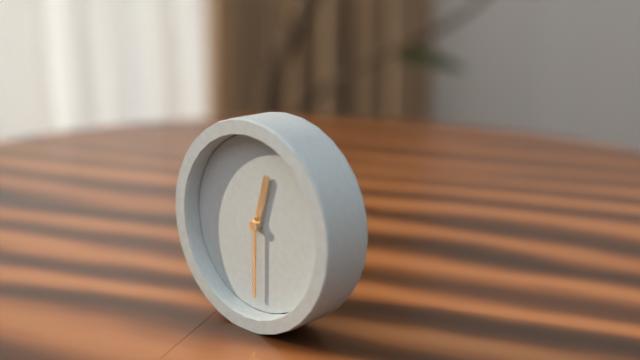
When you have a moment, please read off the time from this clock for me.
12:30
